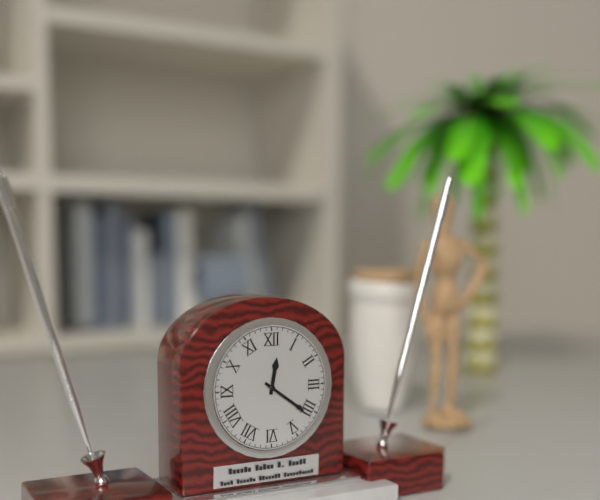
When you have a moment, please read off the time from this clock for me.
12:21
